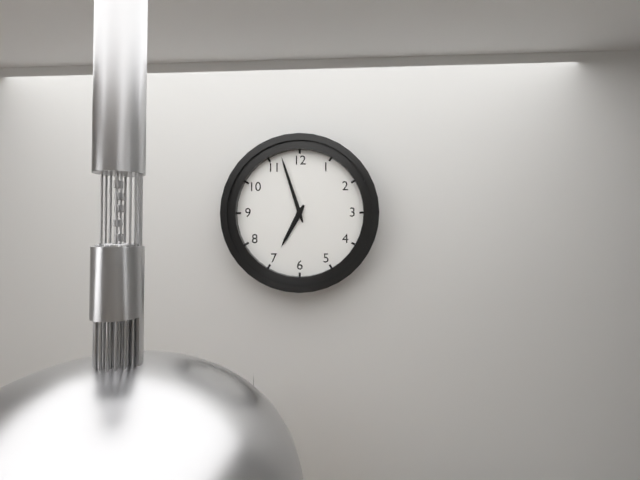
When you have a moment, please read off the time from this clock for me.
6:57
